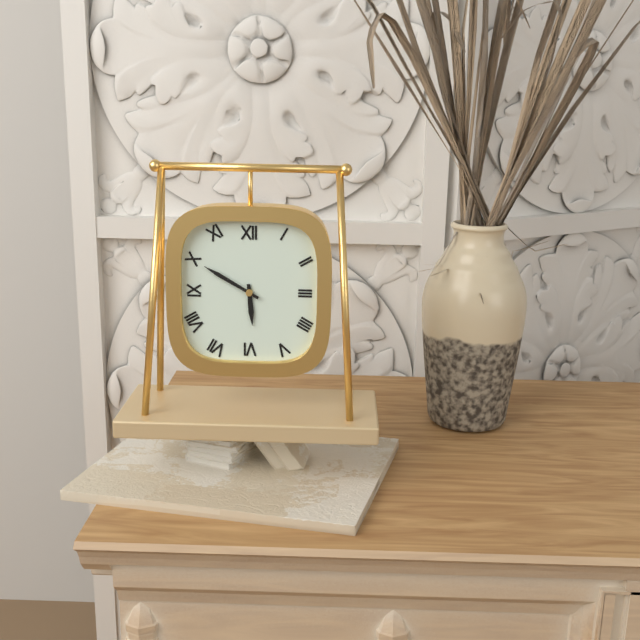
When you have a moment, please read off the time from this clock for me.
5:50
